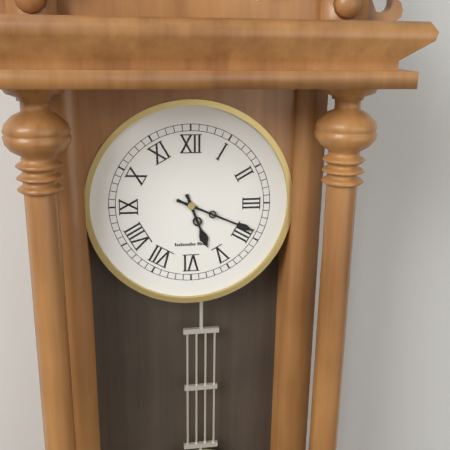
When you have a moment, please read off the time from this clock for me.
5:19
